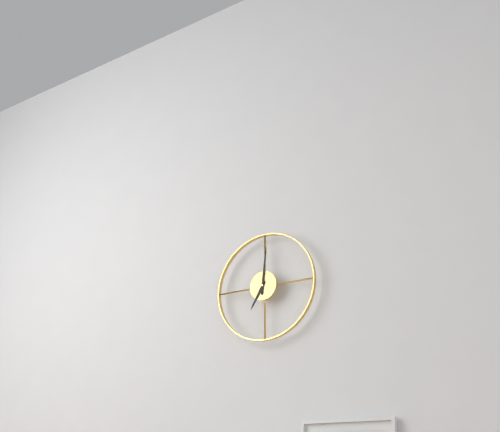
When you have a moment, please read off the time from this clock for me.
7:01
